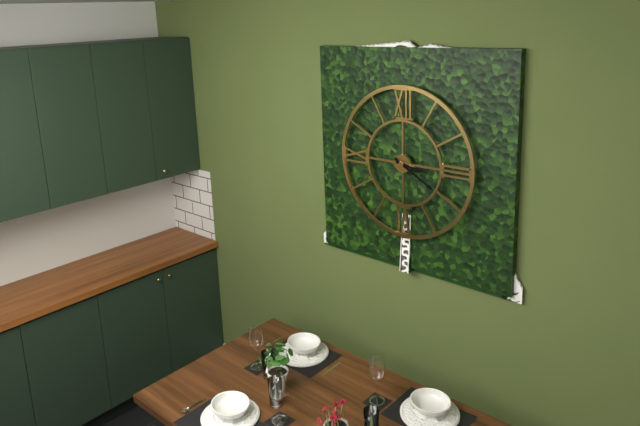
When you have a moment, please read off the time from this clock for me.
3:20
